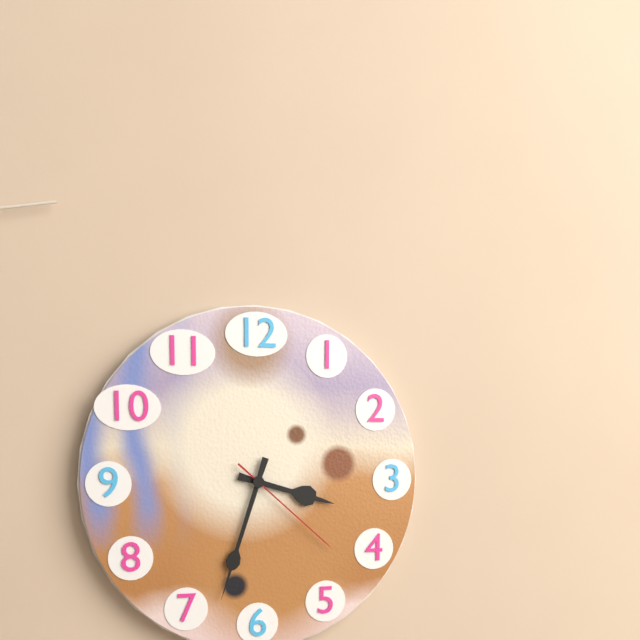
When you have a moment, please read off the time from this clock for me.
3:33:22
